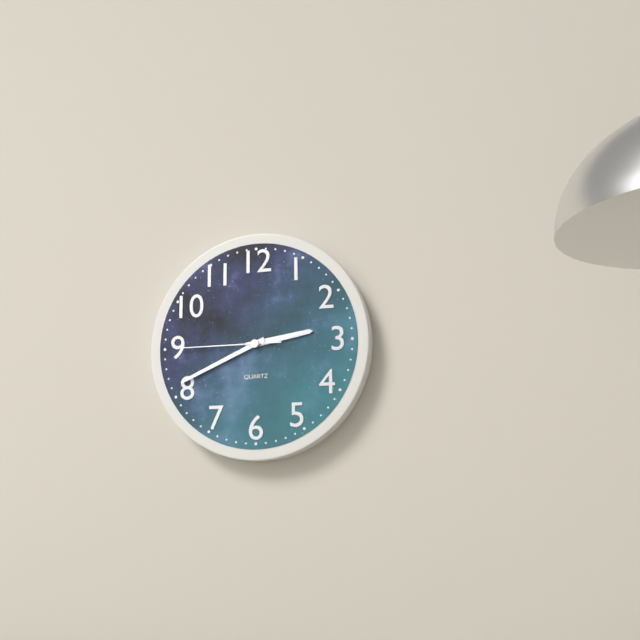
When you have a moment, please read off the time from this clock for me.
2:41:45
